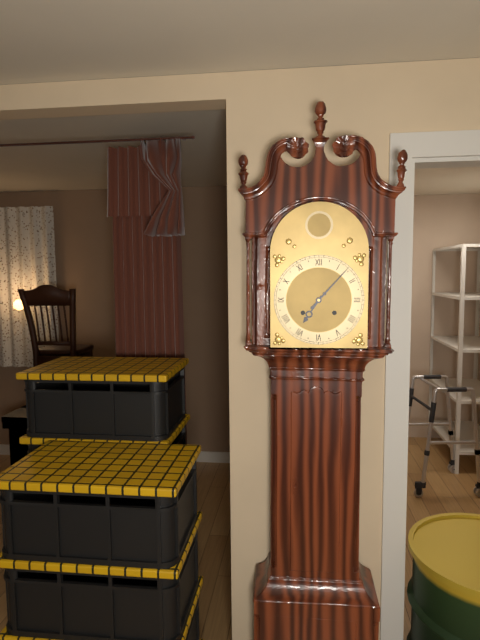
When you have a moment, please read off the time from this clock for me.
7:07
